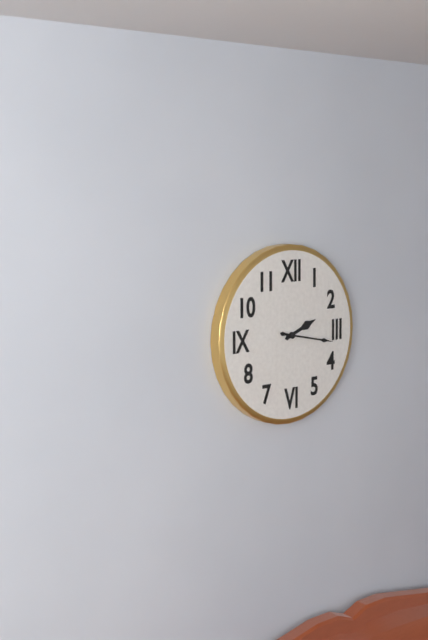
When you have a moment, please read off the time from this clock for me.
2:17
